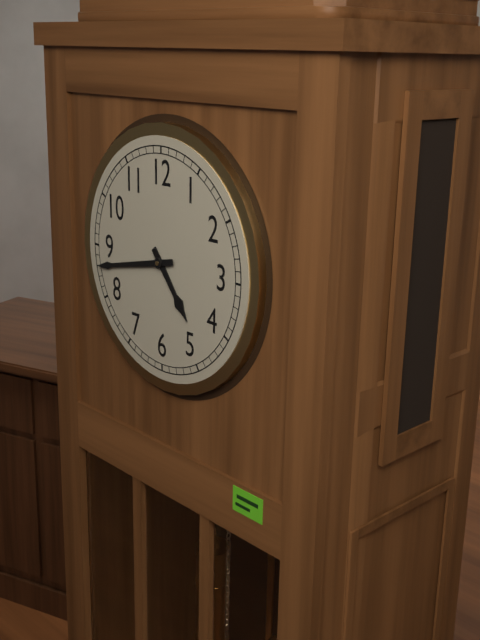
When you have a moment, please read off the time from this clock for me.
4:43
